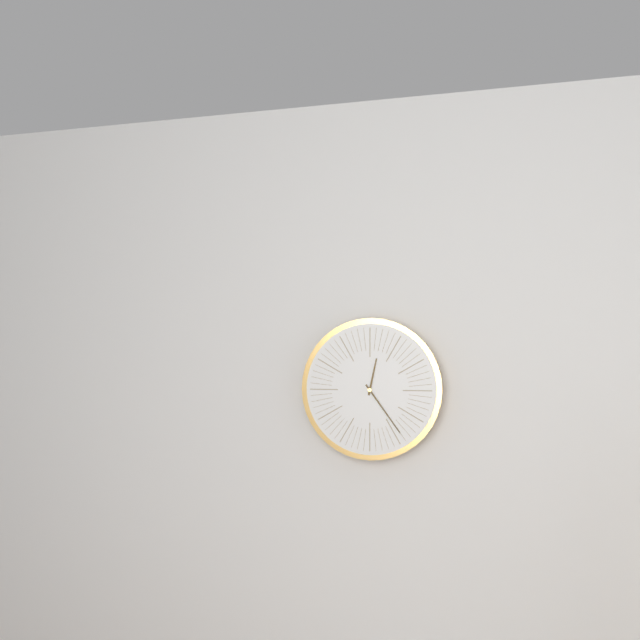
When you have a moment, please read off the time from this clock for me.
12:24
